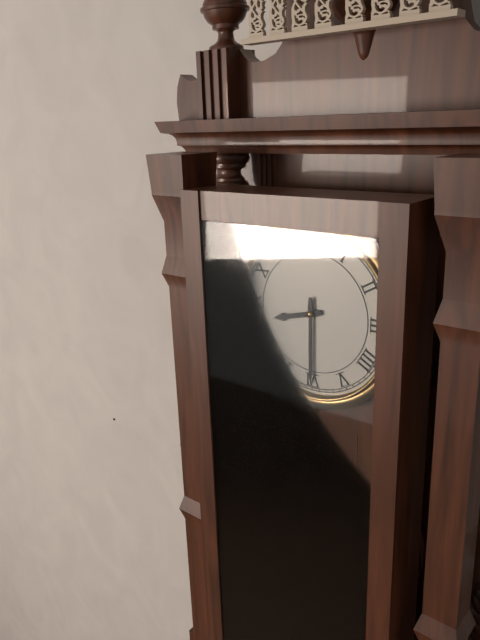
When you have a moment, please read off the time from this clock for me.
8:30
